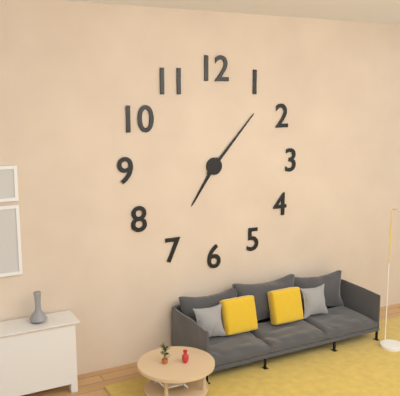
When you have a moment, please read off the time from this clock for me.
7:07
